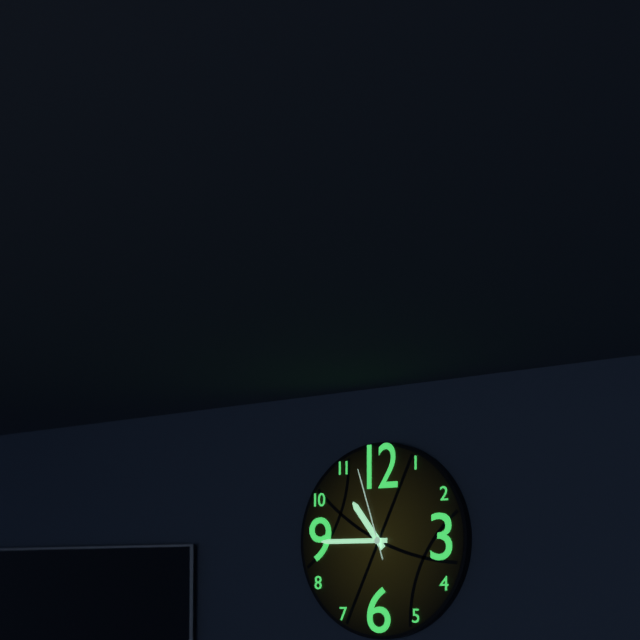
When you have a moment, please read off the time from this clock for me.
10:45:57
